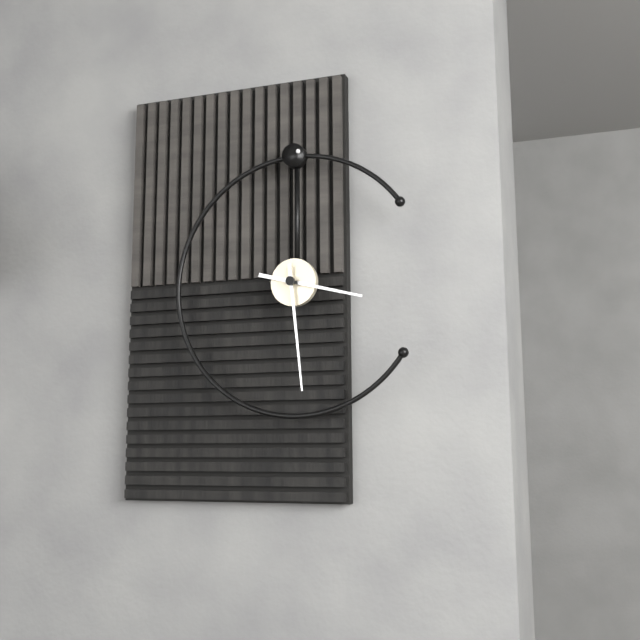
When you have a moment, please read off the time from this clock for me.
3:29
